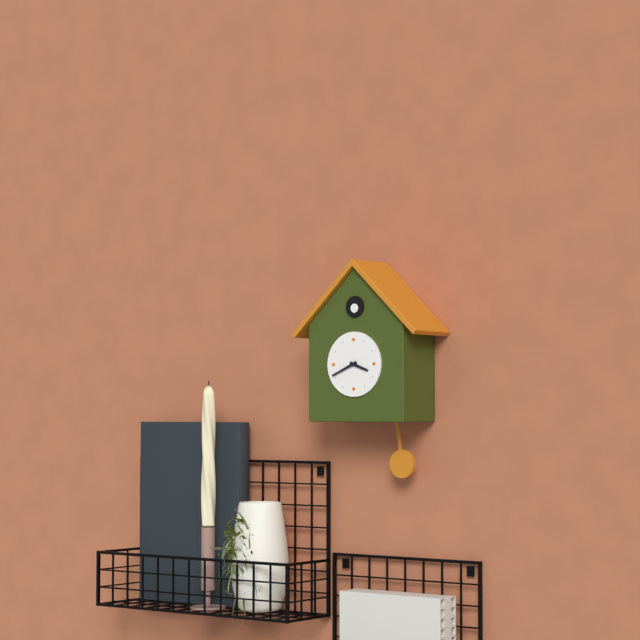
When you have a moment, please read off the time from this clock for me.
3:41
